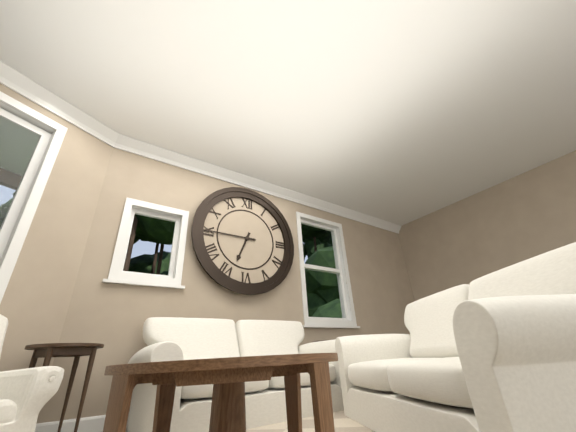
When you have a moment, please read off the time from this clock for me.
6:45
